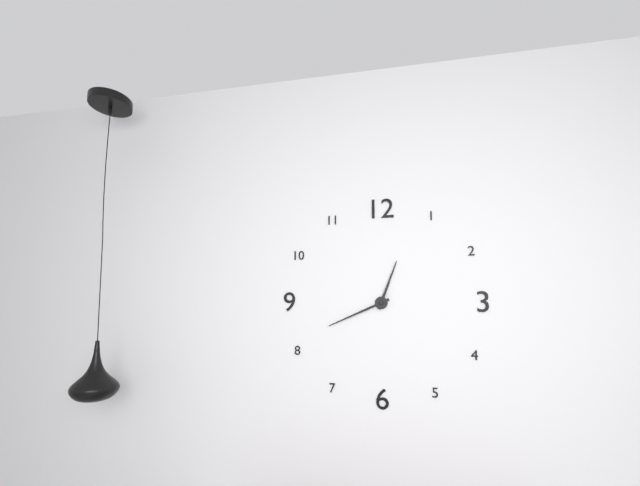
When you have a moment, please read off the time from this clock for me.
12:41
